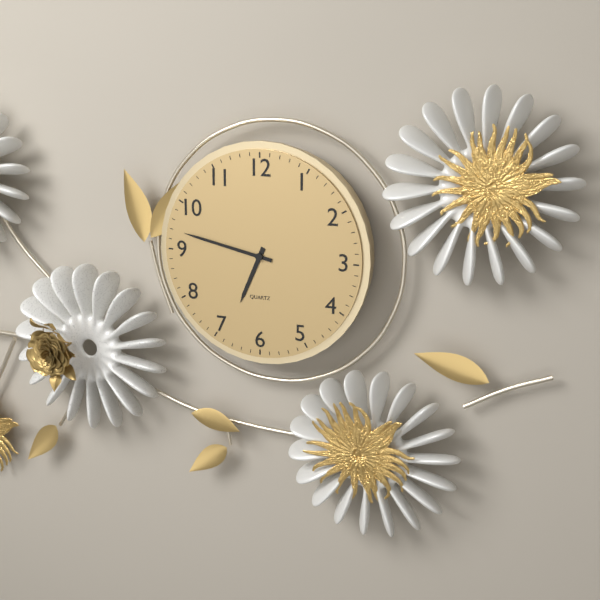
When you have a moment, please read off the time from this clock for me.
6:47
